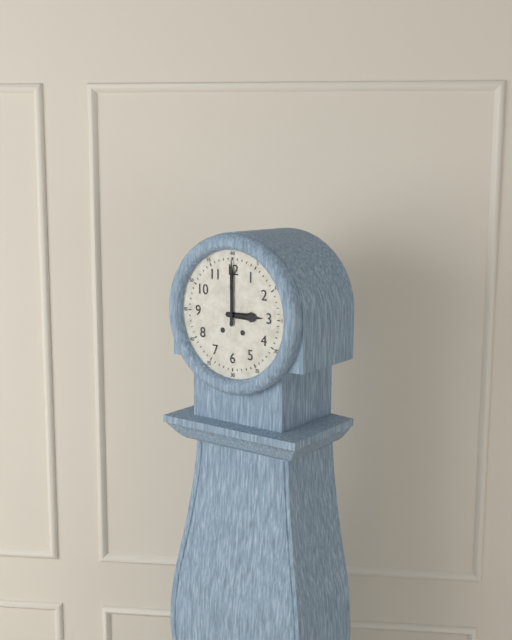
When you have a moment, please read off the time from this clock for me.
3:00
